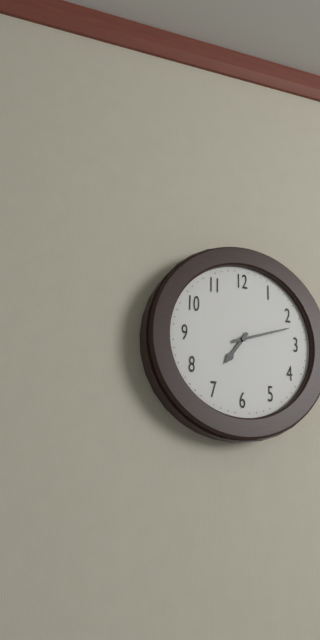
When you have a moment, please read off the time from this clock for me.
7:12
